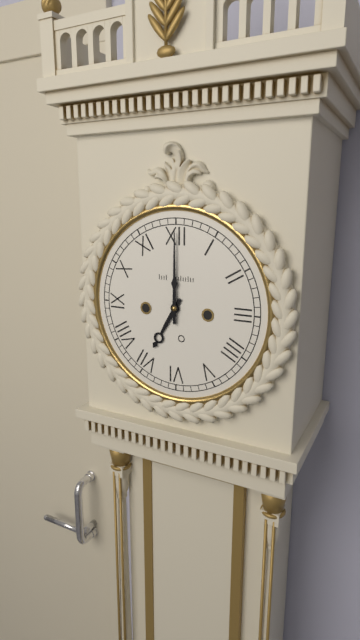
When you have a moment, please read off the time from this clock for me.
7:00
